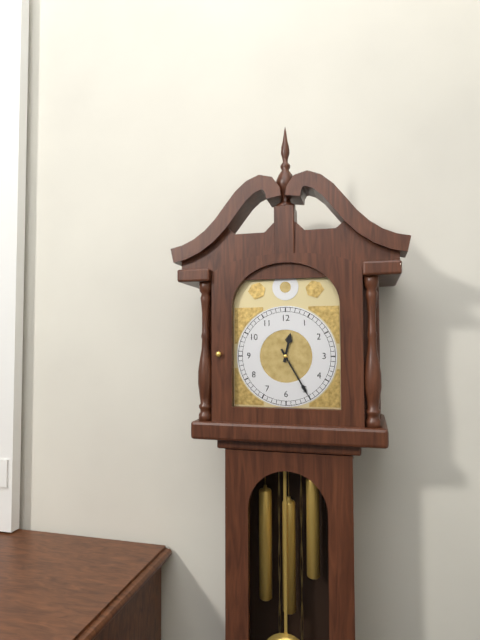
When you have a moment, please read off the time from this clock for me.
12:25
